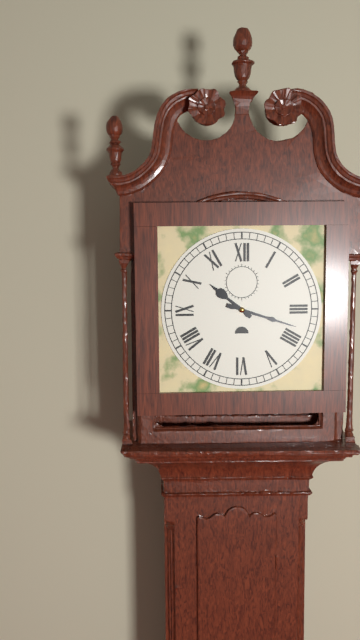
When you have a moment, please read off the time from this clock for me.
10:18
